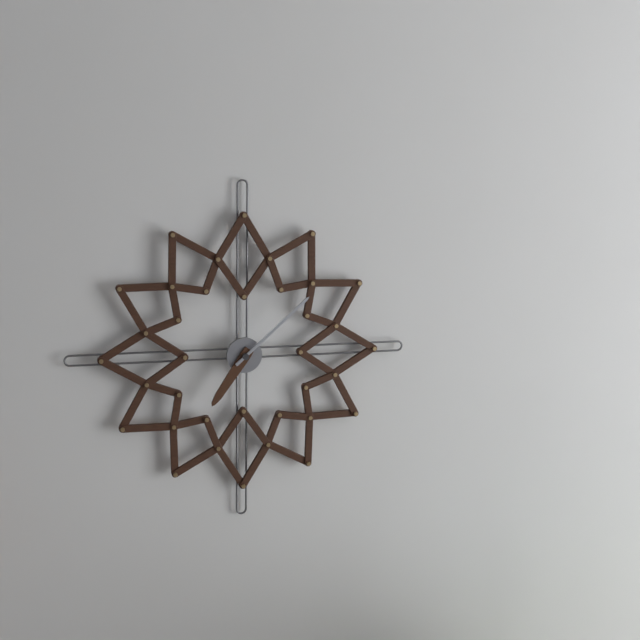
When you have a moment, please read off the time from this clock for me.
7:08
